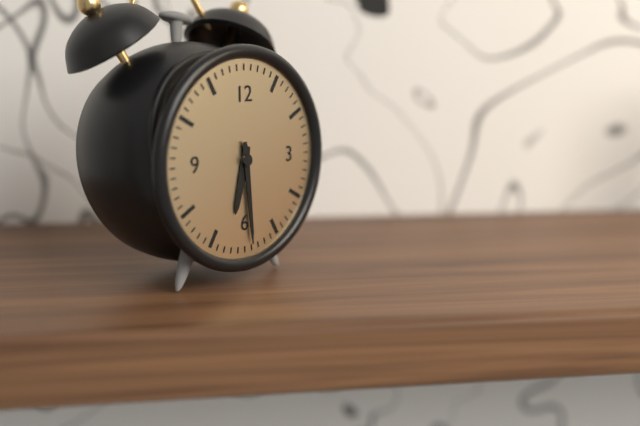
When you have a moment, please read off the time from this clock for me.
6:29
